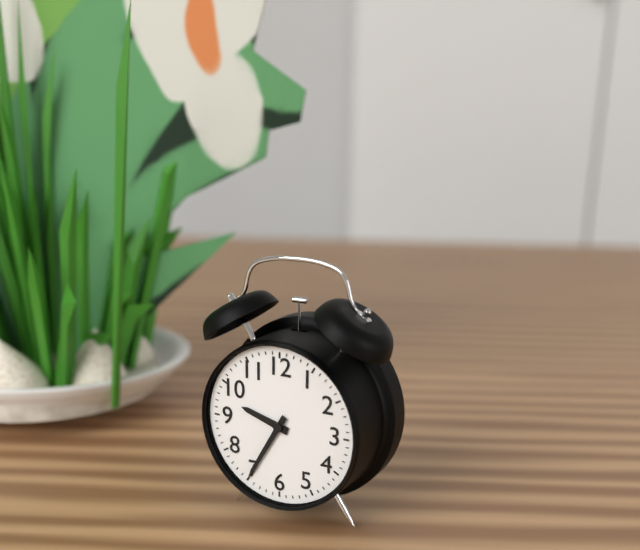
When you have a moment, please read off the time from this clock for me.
9:35
